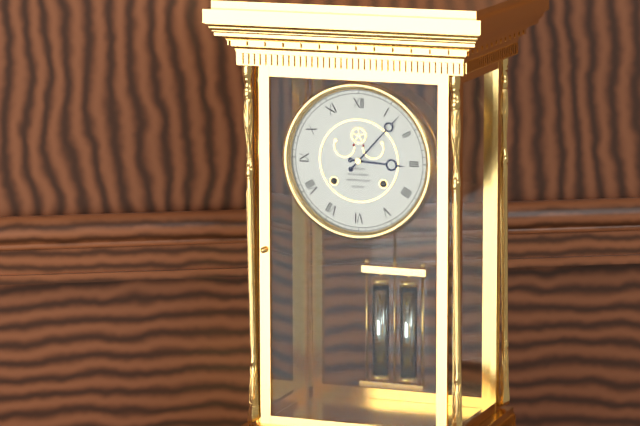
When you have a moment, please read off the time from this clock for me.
3:07
